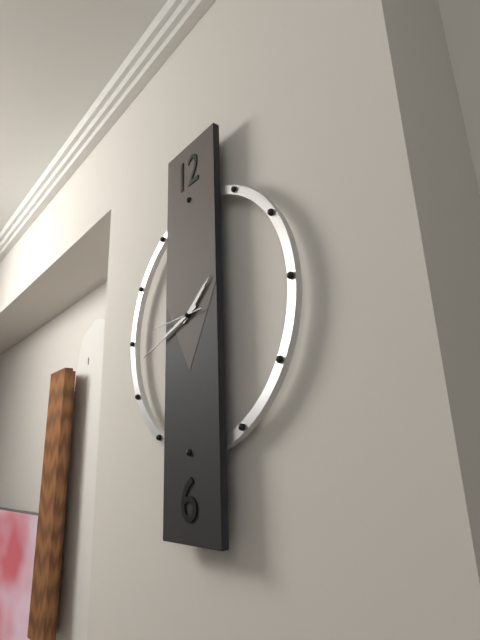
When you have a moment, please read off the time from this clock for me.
1:42
